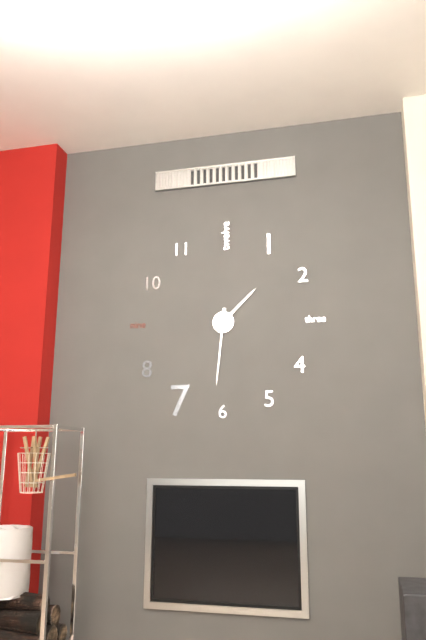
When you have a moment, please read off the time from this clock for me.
1:31
